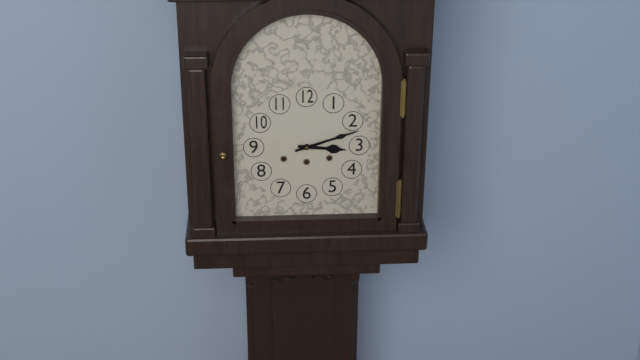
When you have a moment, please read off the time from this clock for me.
3:12
